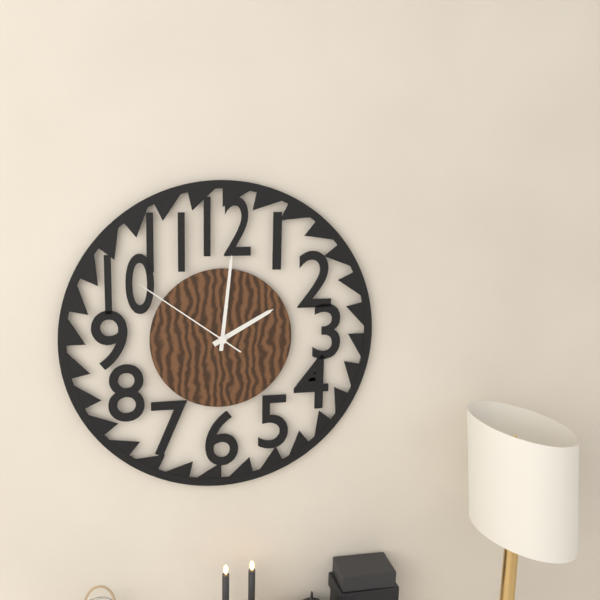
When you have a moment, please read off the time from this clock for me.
2:01:51
